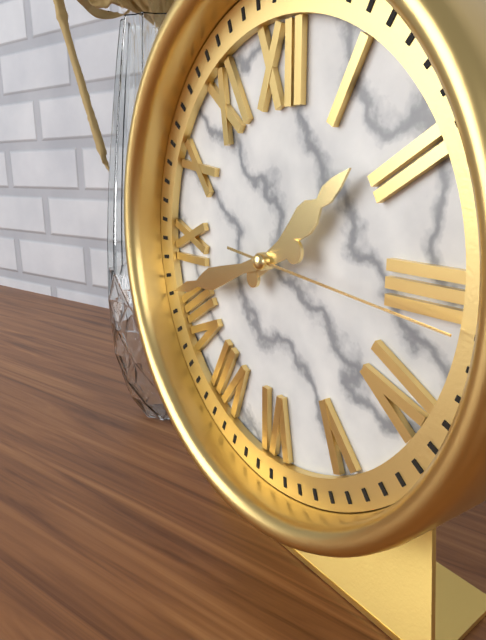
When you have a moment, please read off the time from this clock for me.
1:42:16
